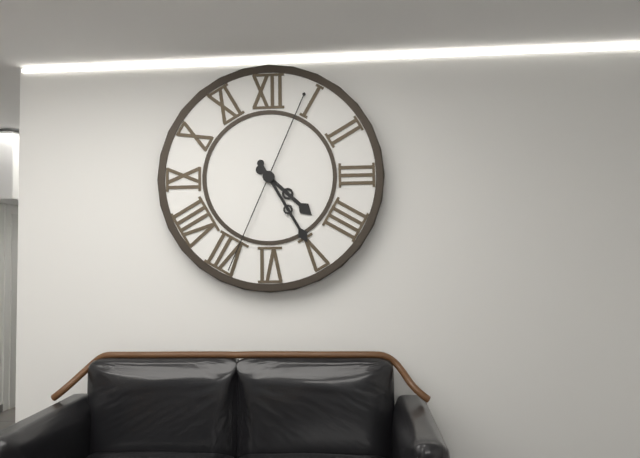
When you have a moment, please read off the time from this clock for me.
4:25:34
